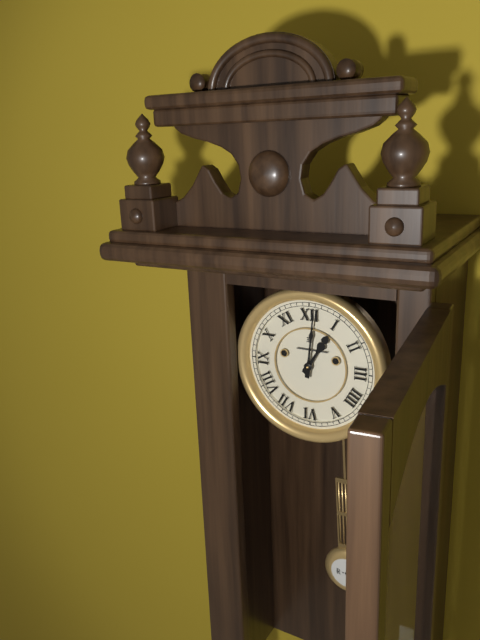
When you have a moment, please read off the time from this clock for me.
1:01
